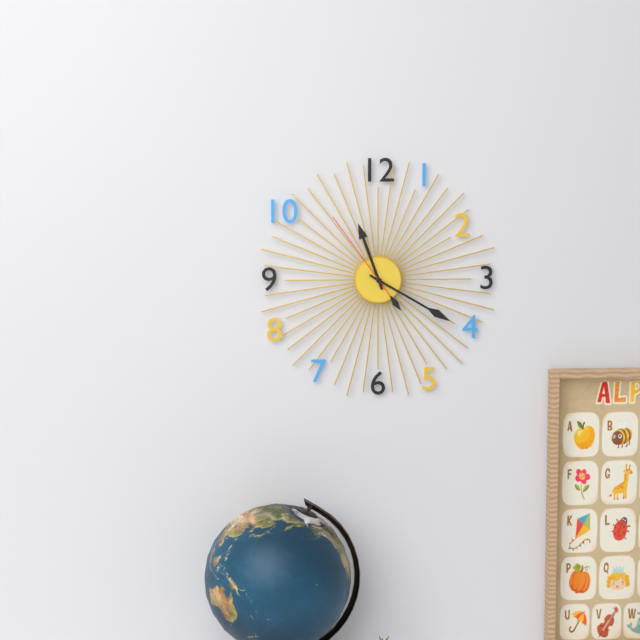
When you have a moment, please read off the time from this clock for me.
11:20:54
